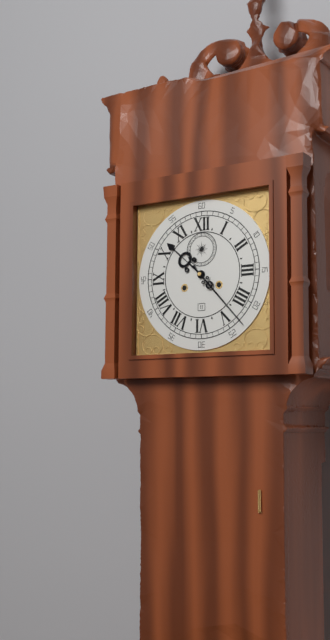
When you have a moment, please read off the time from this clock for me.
10:23
